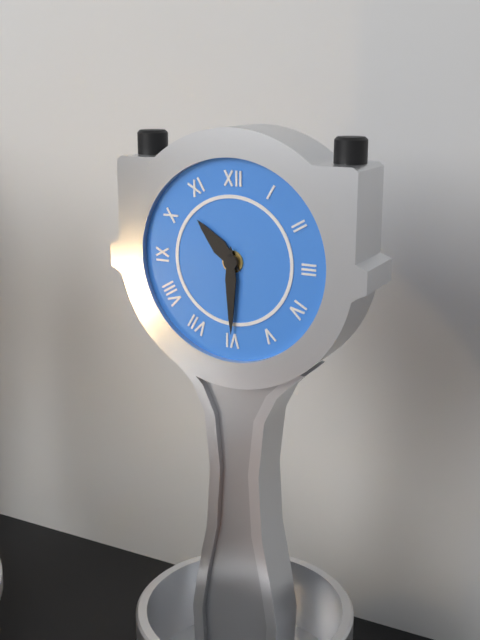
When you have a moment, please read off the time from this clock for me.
10:30
